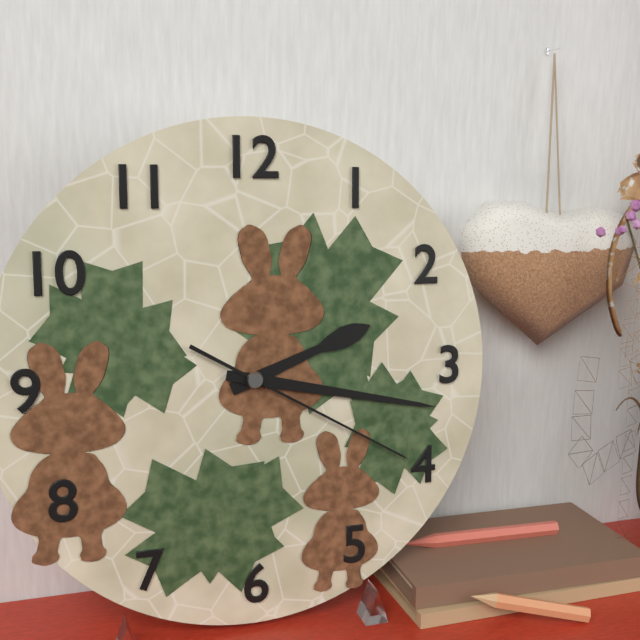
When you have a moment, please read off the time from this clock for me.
2:17:20
